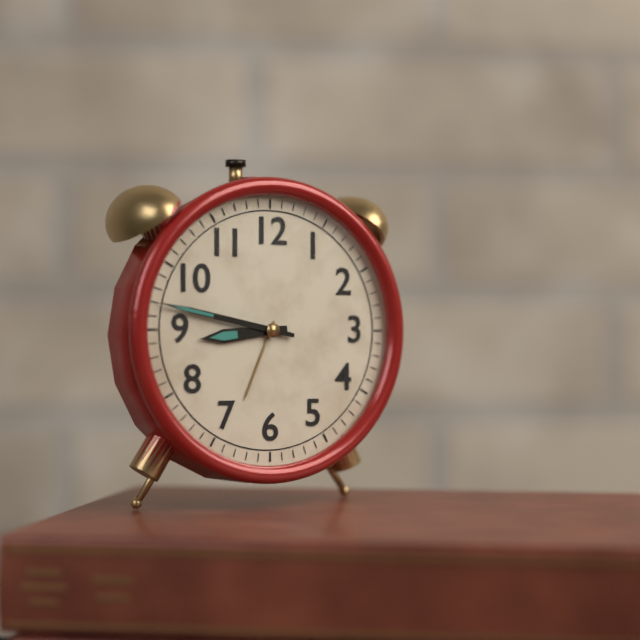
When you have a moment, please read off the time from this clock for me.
8:47
